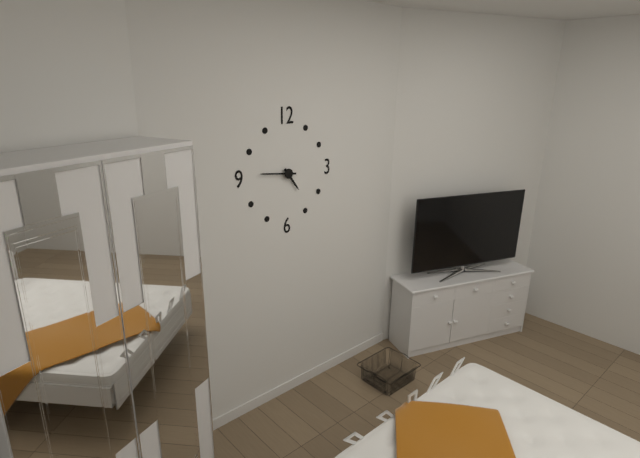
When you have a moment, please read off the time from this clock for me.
4:46
